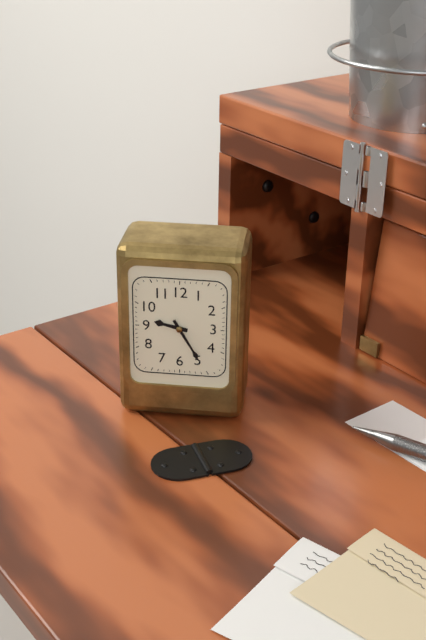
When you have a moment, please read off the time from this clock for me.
9:25
